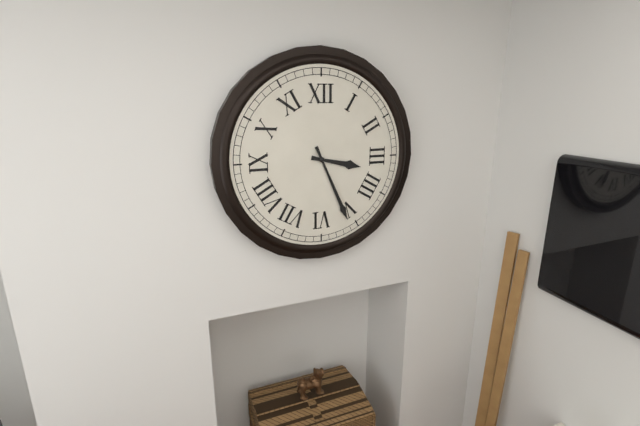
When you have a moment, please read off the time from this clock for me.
3:26
